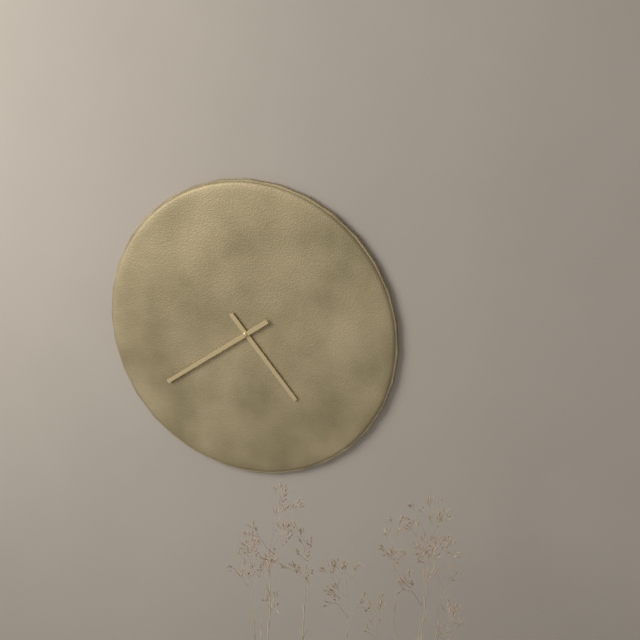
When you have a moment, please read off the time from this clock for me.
4:39
